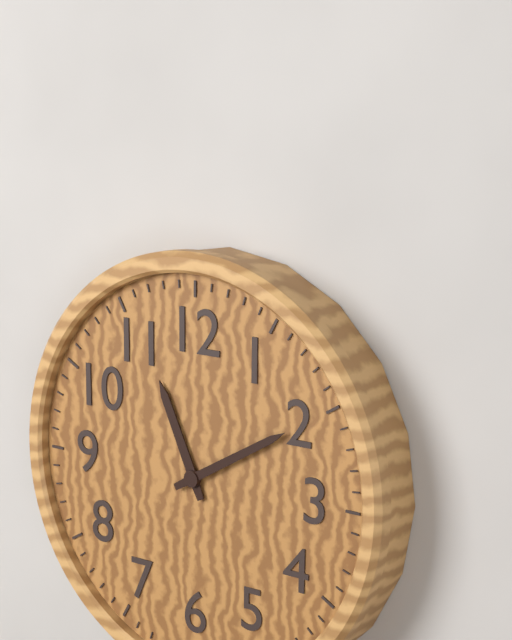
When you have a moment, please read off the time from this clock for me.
11:10
